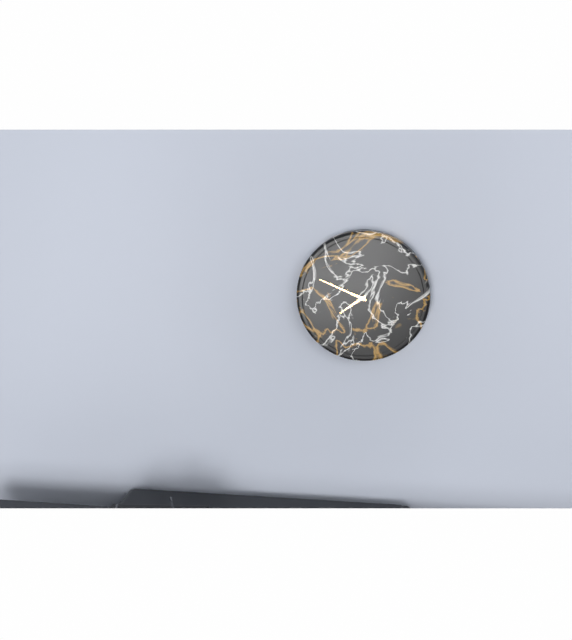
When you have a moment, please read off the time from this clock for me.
7:49
